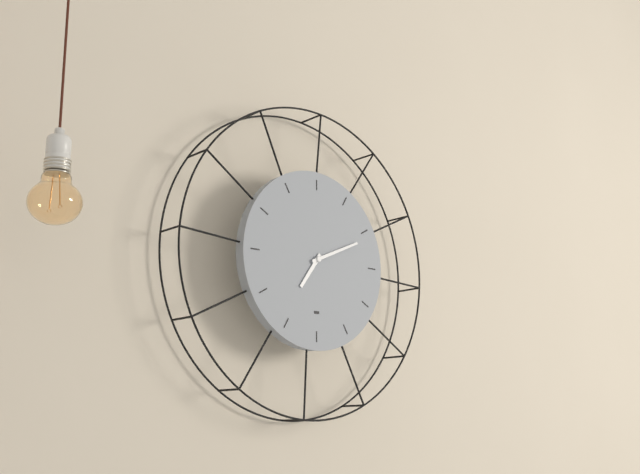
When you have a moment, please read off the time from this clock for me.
7:11
